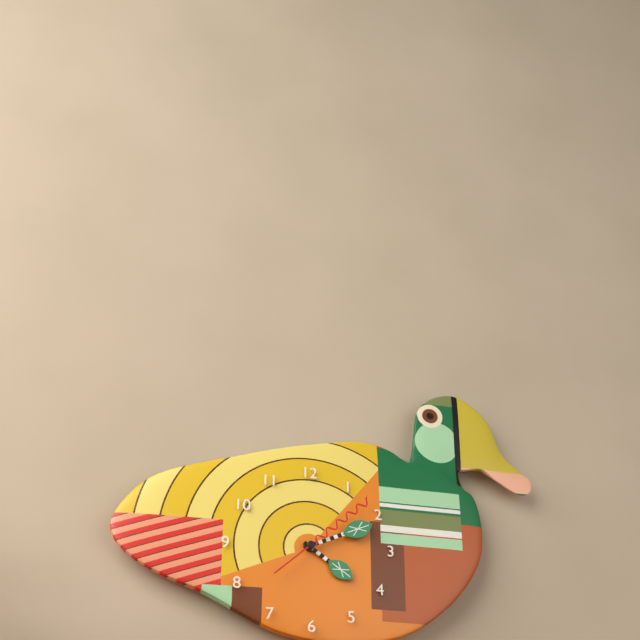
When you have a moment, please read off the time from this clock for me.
4:11:08
